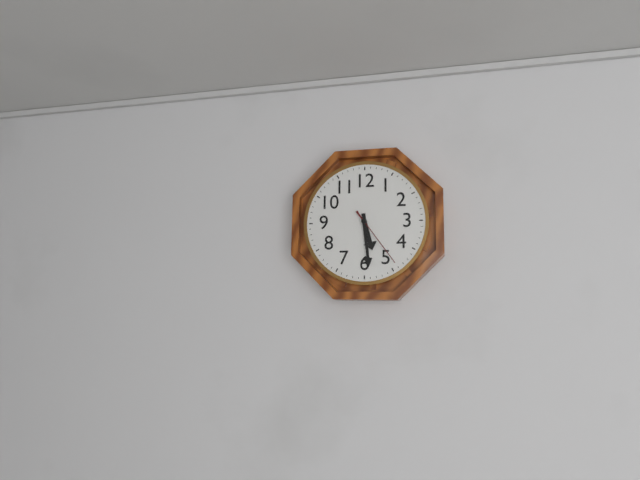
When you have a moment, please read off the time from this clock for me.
5:29:24
